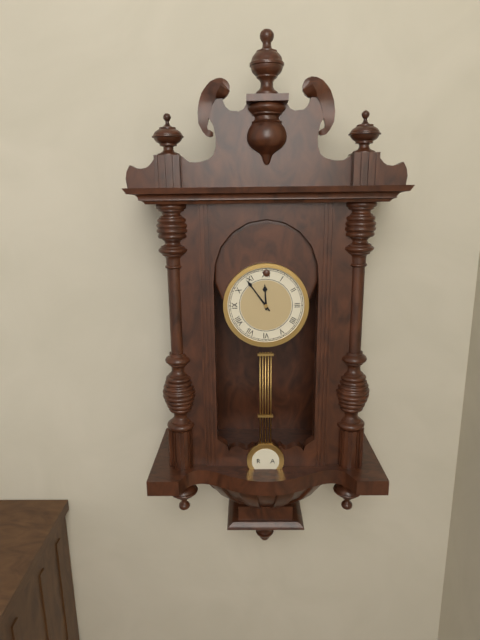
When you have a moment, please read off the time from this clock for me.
11:54
